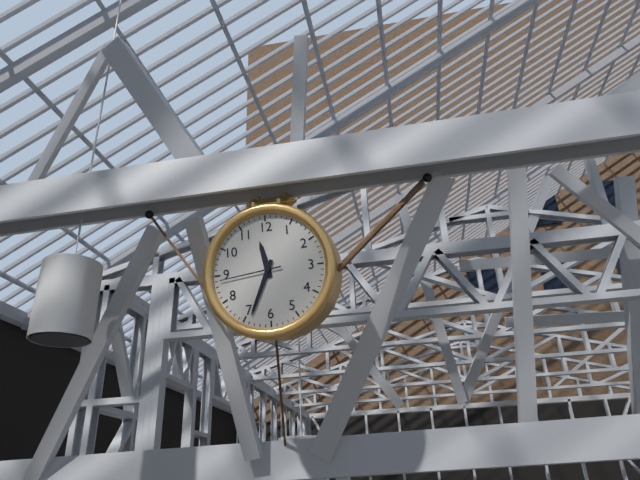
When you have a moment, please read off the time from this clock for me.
11:34:44
